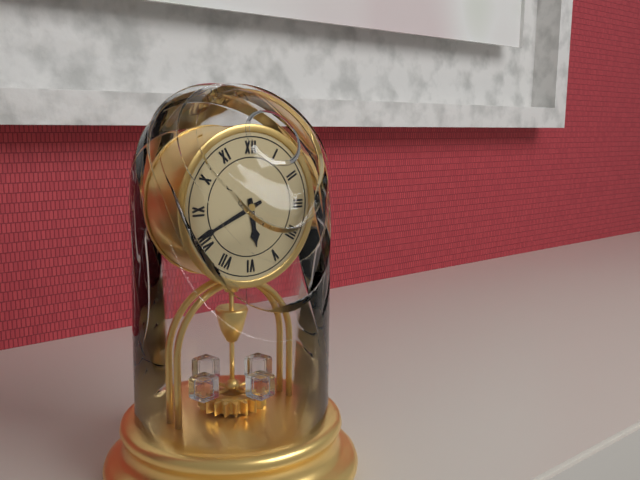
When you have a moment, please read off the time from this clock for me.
5:41
